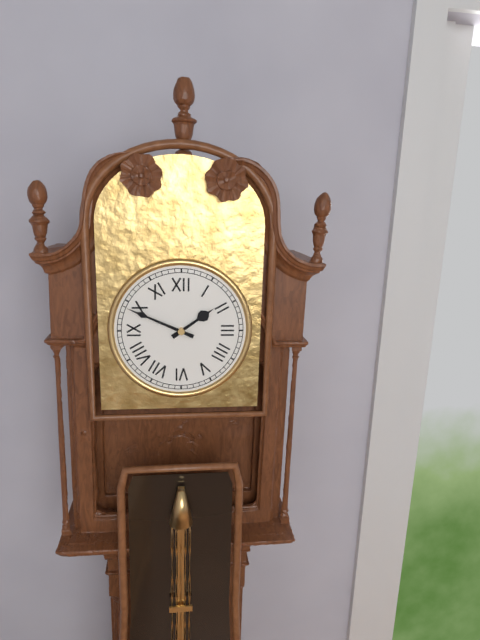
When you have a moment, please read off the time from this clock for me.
1:49
